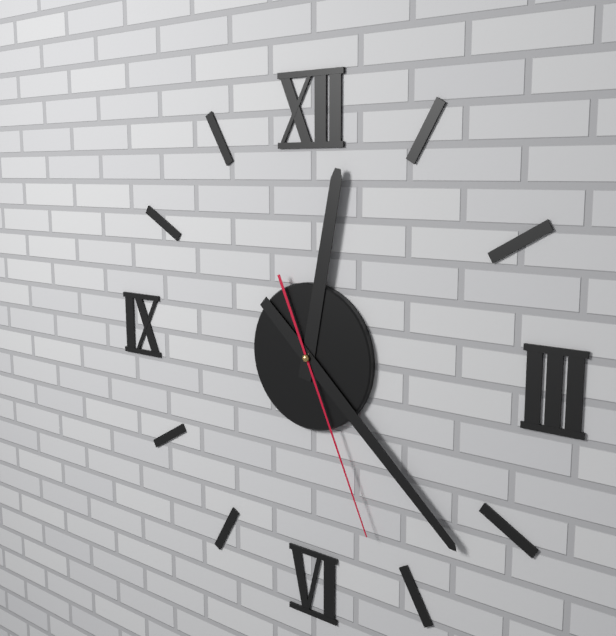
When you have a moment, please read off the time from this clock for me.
12:22:26
